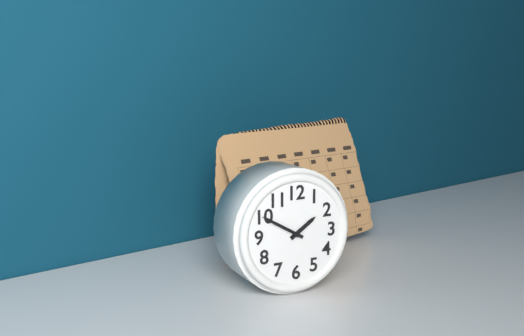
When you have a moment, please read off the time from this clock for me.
1:50
